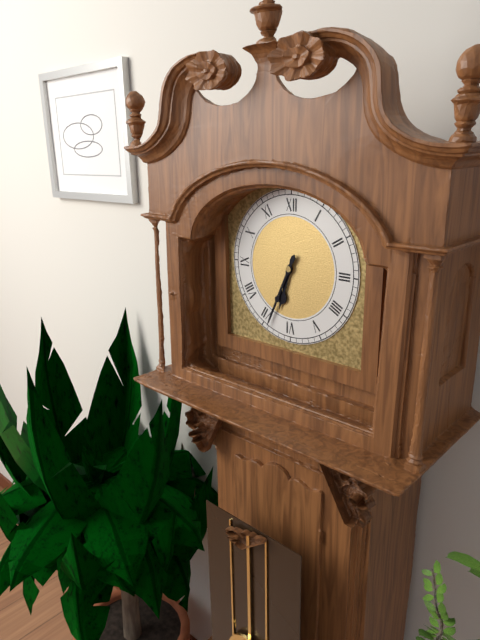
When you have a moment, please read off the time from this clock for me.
6:34
